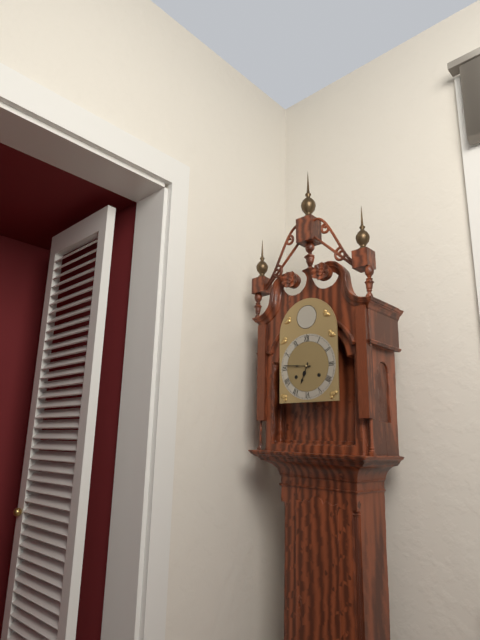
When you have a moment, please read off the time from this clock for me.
6:46
